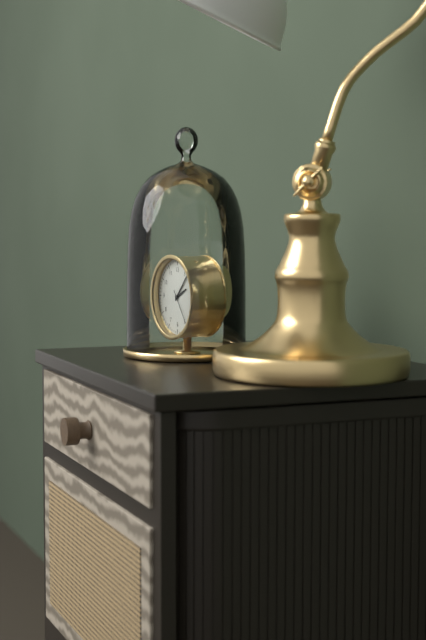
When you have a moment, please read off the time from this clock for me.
2:07
